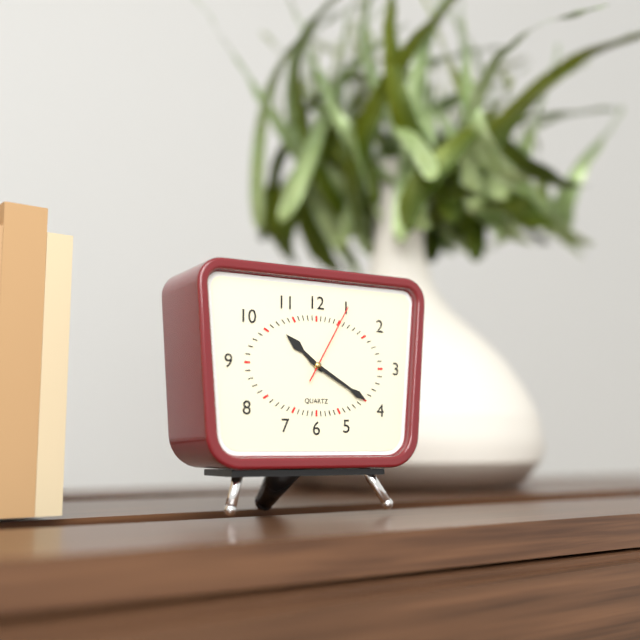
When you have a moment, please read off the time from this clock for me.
10:20:05
